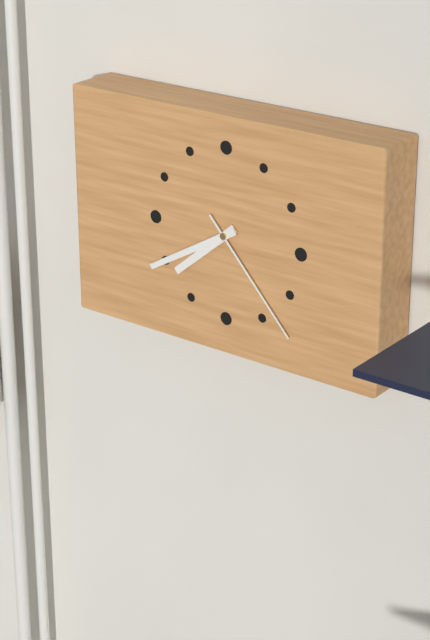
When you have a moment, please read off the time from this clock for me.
7:40:23
